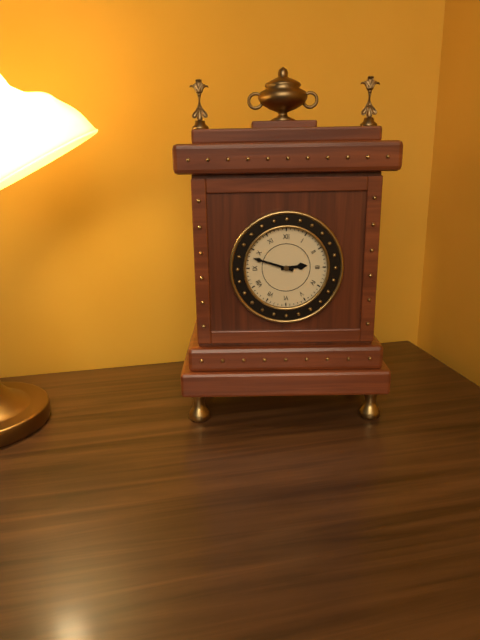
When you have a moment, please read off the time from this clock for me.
2:48
